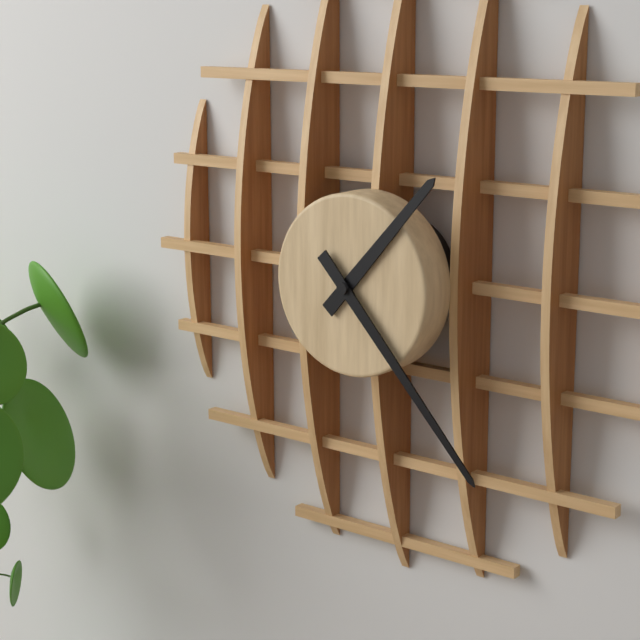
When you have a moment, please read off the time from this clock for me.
1:23
